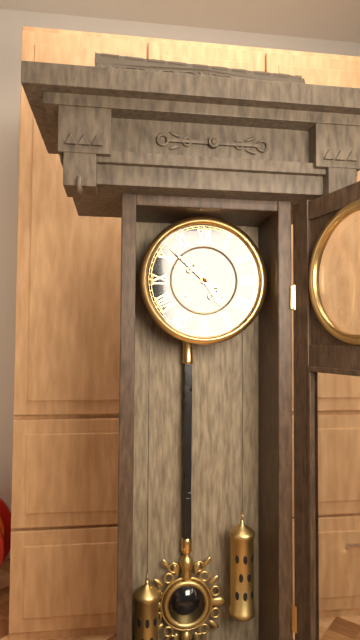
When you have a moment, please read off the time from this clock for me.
4:52
